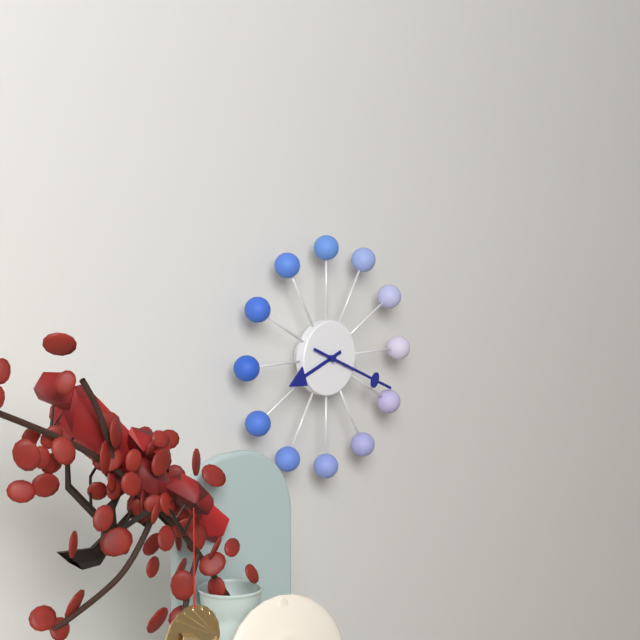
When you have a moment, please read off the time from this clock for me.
8:19
